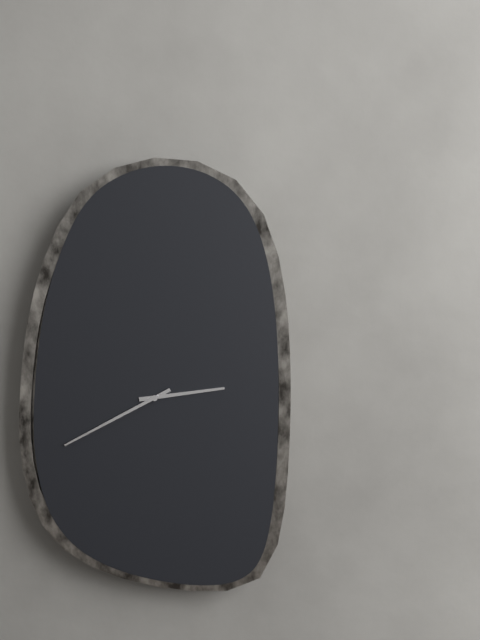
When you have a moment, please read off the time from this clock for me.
2:40
